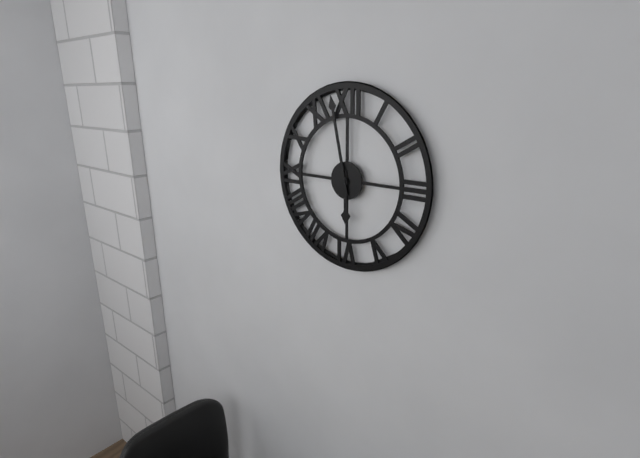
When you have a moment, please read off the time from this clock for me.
5:58
